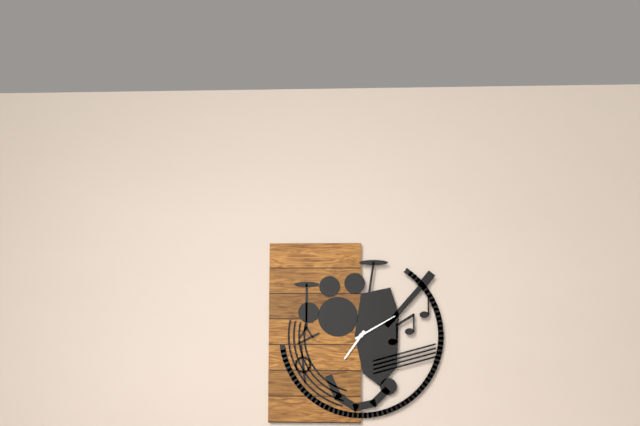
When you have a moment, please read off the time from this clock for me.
7:10
